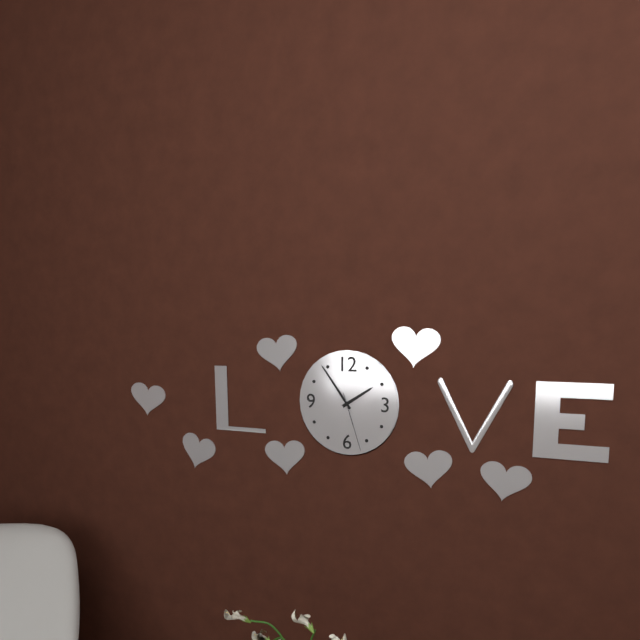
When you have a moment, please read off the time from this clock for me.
1:54:27
